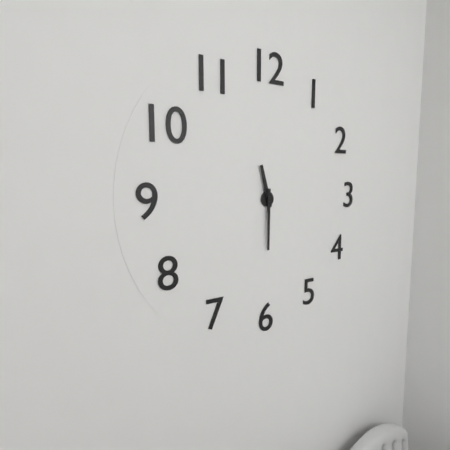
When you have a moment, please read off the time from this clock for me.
11:30
